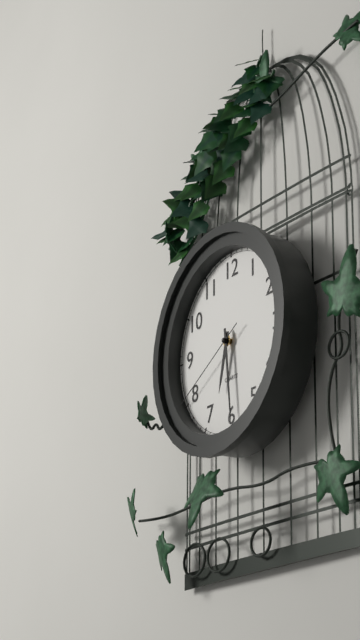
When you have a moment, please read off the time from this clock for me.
6:29:40
